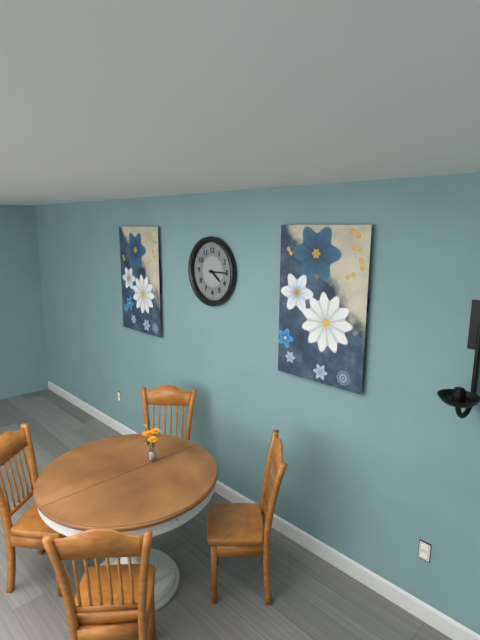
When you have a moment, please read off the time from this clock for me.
4:15
